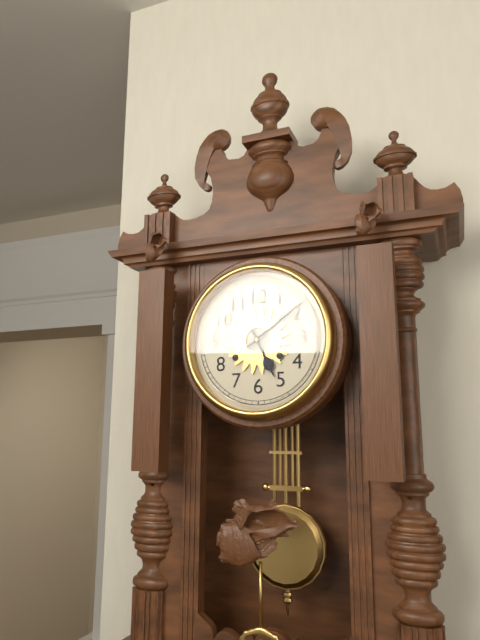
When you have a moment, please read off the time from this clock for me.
5:09
